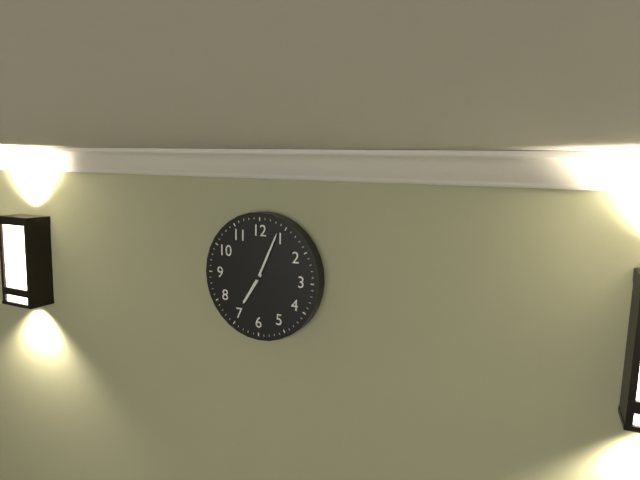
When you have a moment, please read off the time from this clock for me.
7:04
